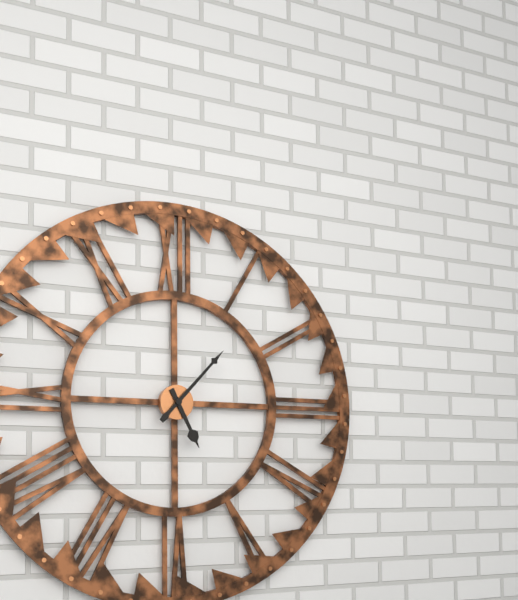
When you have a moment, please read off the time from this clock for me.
5:07
